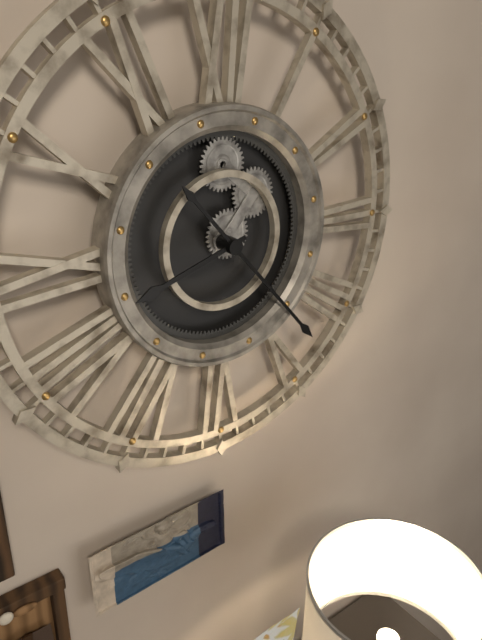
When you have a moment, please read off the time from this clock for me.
8:23
